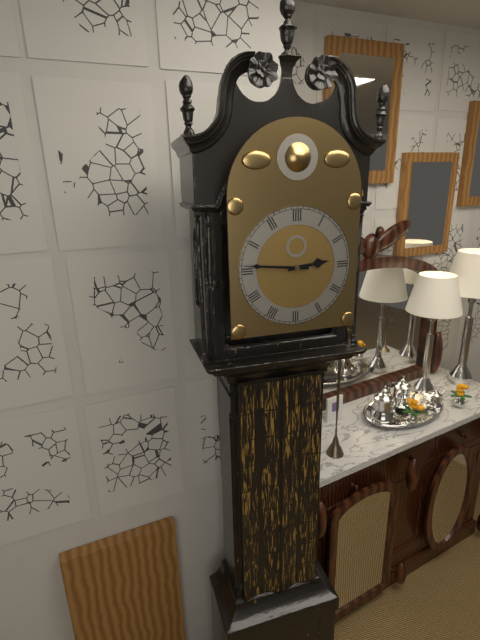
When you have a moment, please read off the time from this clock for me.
2:46
